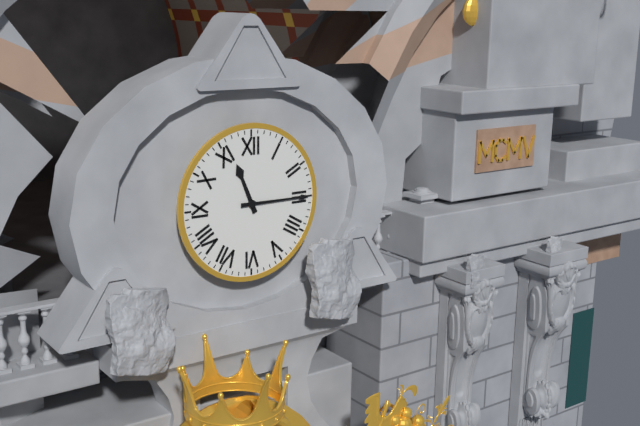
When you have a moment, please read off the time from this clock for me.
11:15
